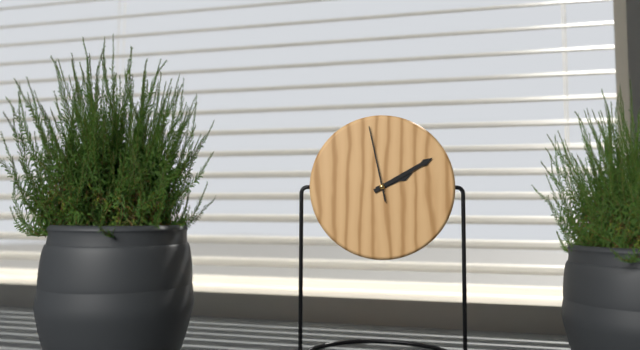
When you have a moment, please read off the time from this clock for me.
2:10:58
